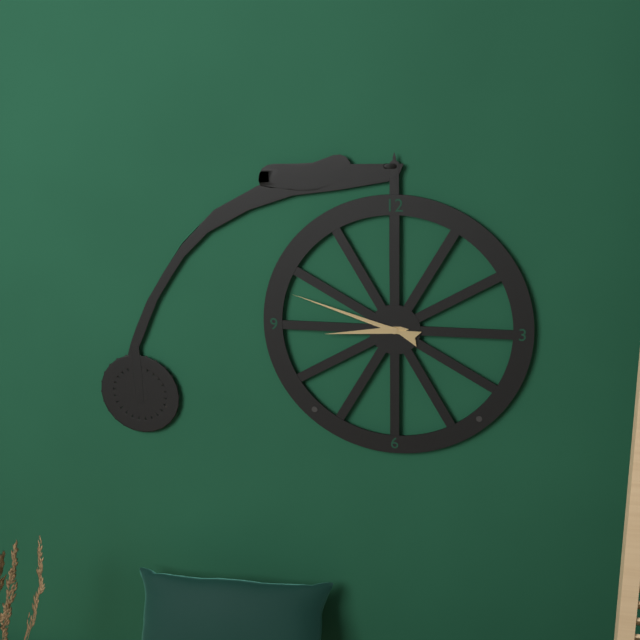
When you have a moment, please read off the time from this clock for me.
8:48
